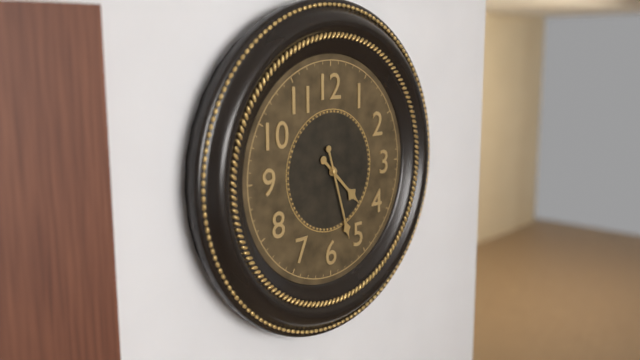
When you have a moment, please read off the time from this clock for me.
4:27
